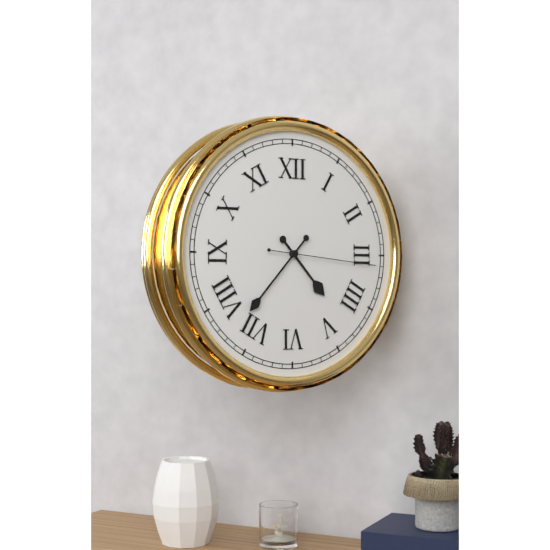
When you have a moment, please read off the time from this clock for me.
4:37:16
